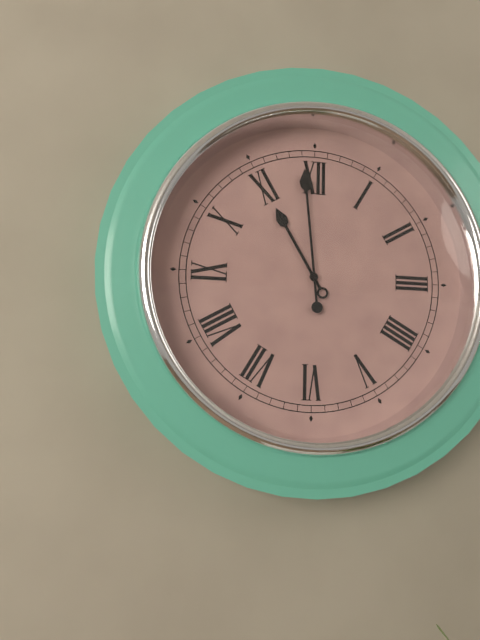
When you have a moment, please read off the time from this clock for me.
10:59
